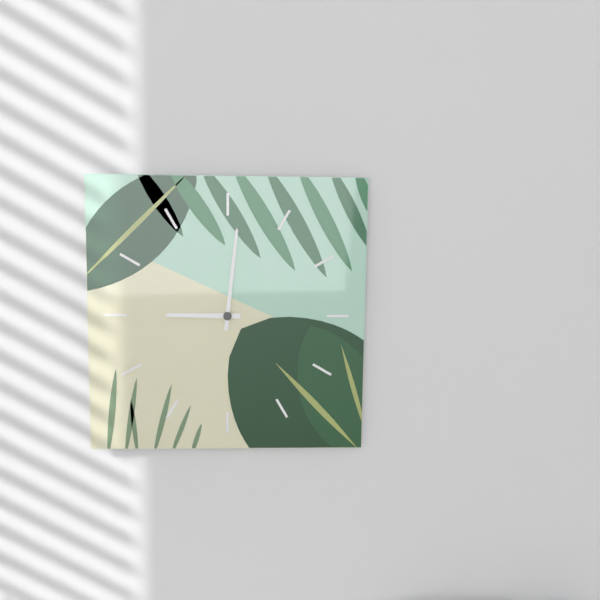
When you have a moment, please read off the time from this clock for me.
9:01
